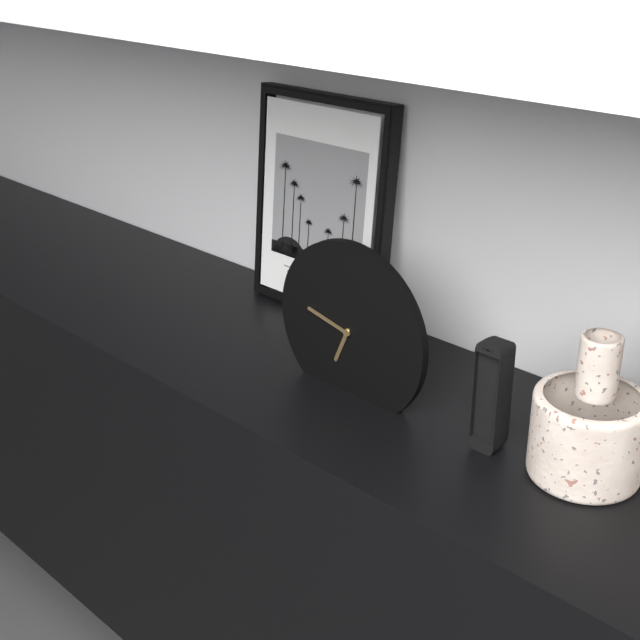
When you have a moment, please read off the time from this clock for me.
6:47
